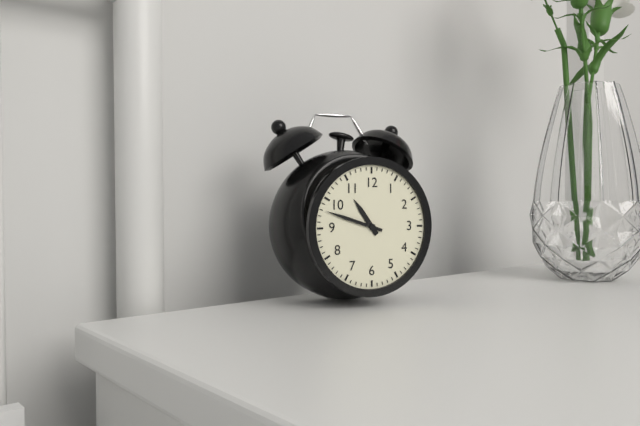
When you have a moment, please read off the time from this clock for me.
10:48
